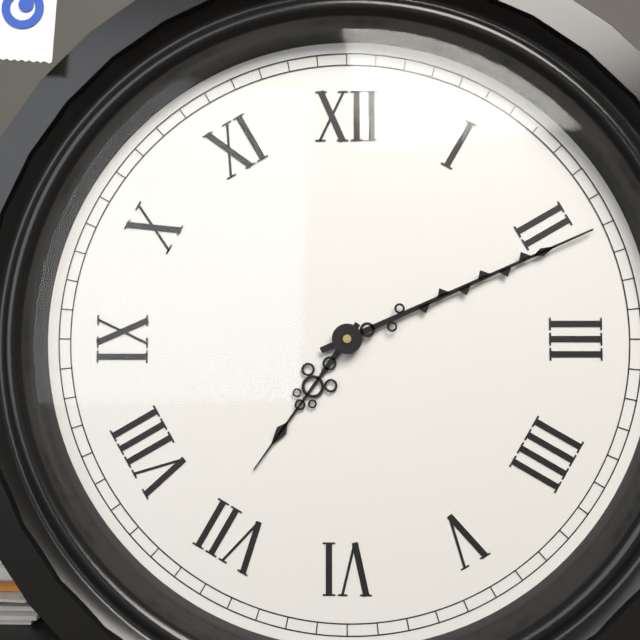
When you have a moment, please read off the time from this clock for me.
7:11
